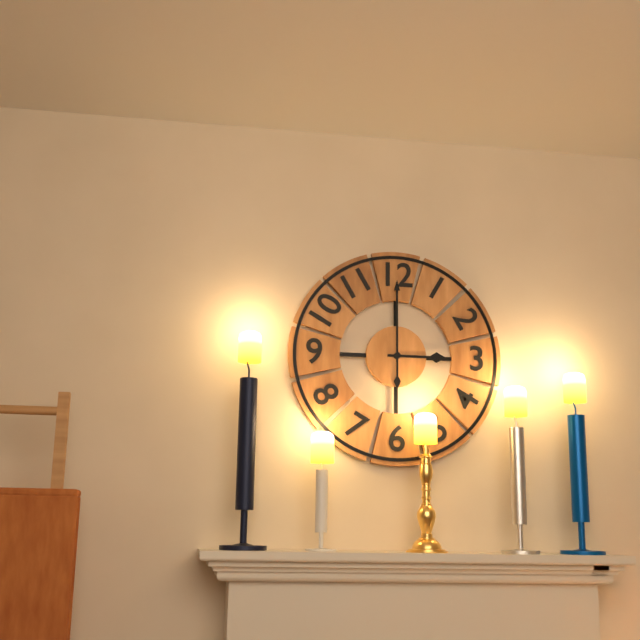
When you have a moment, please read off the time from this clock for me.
3:00
